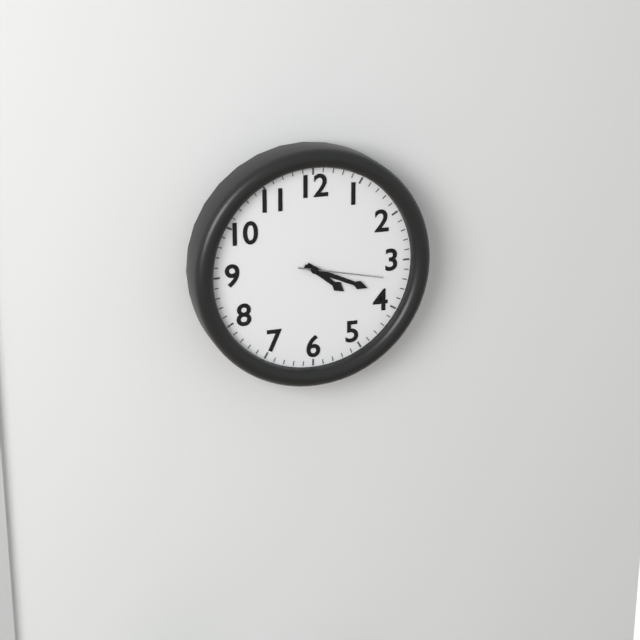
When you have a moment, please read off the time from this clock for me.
4:19:17
